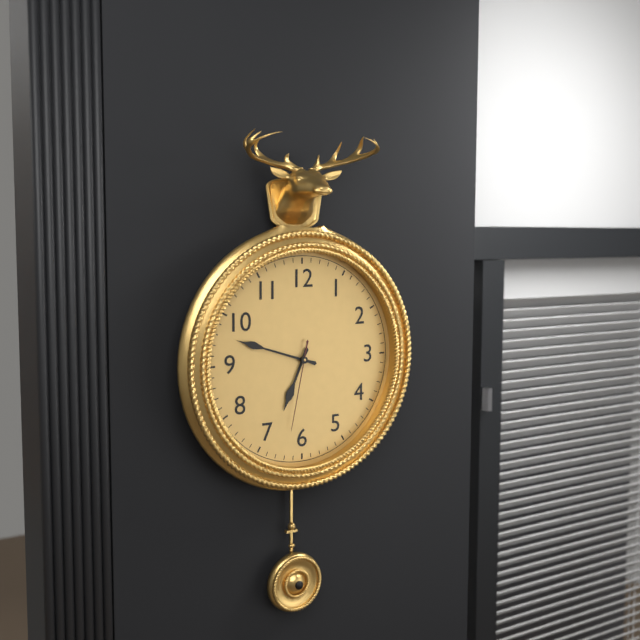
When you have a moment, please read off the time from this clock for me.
6:48:32
